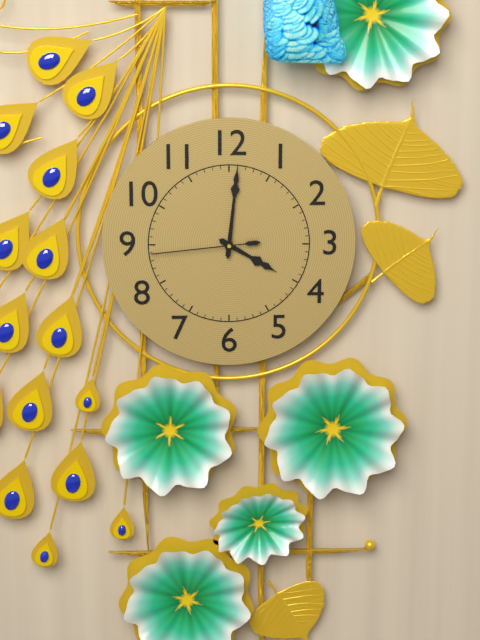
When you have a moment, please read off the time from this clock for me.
4:01:44
